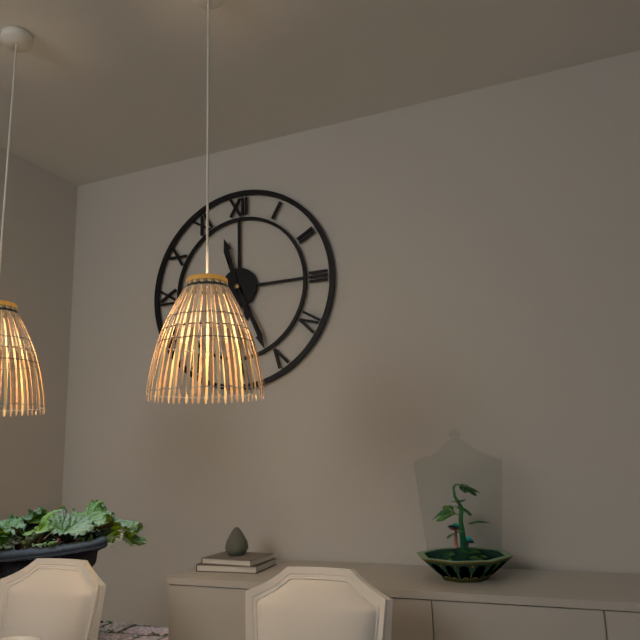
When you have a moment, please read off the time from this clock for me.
11:26
